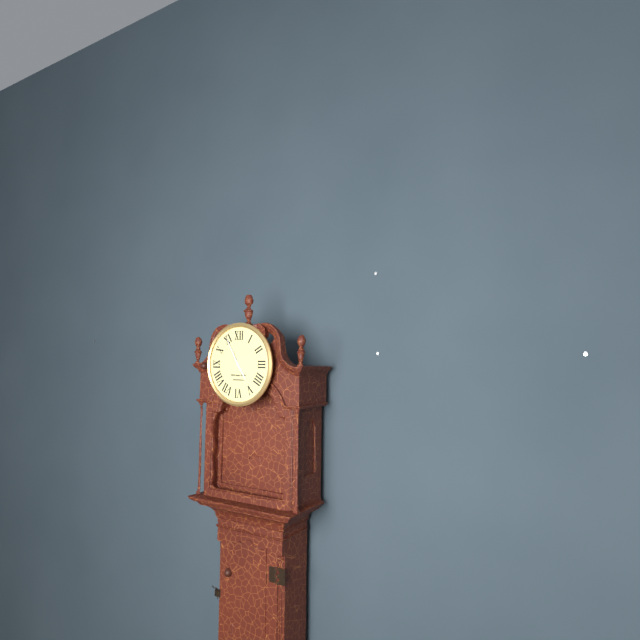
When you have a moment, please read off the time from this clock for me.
4:55
